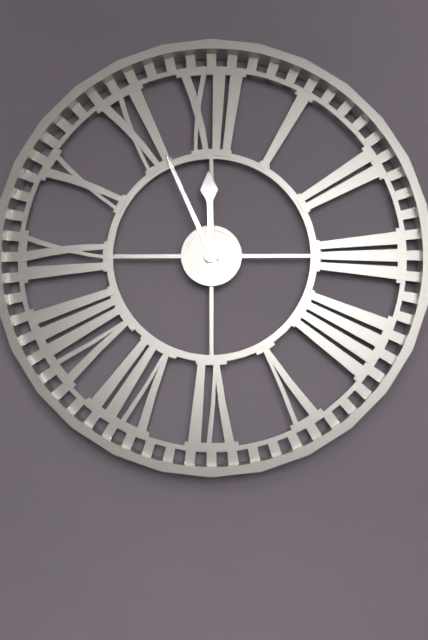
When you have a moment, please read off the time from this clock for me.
11:56
